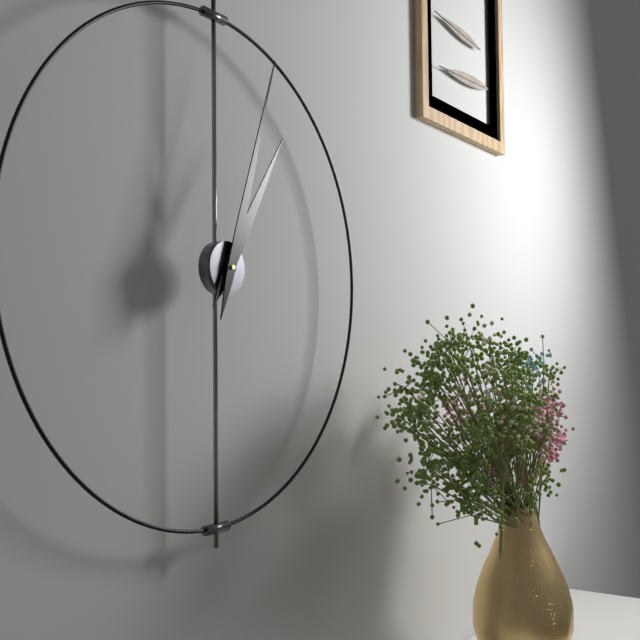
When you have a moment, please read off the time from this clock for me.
1:03
